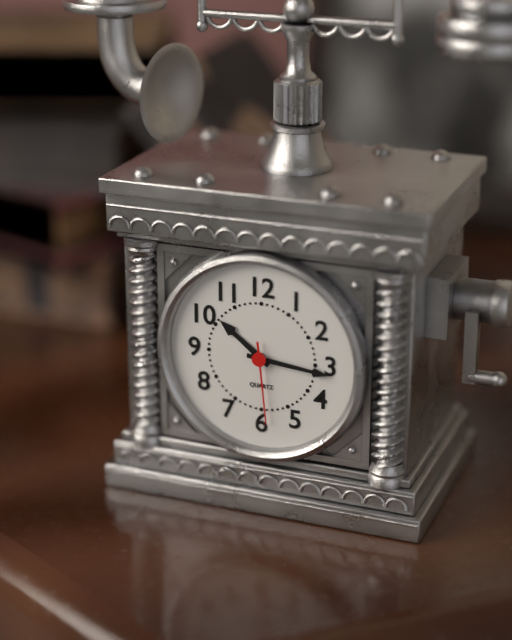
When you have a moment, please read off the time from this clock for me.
10:16:29
